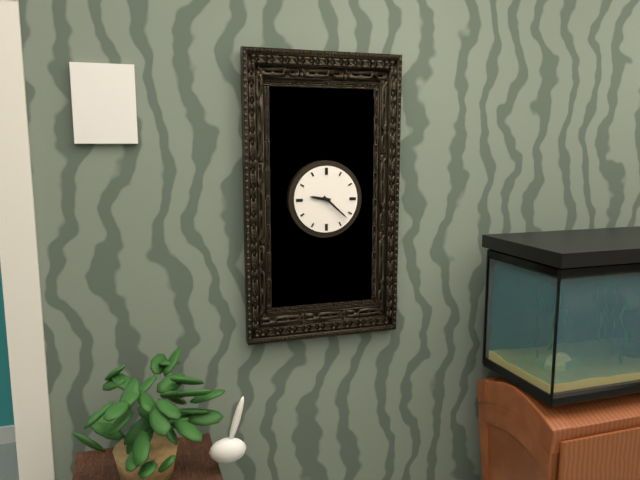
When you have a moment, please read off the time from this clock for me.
9:22
